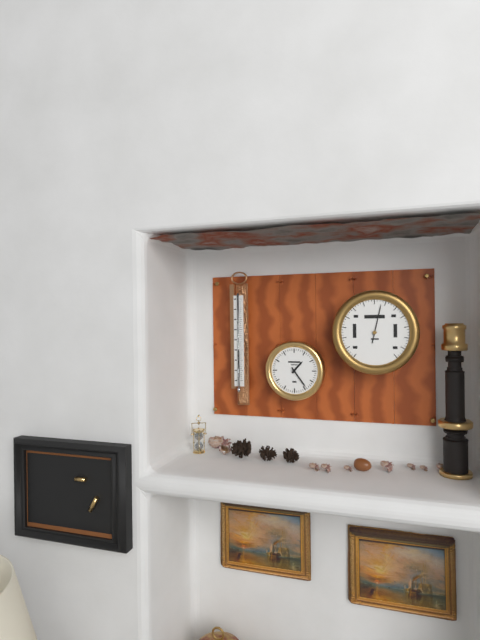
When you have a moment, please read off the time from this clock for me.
1:24
